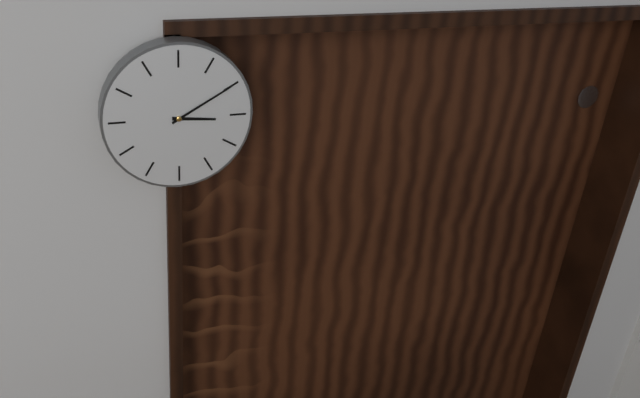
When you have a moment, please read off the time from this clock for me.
3:10
